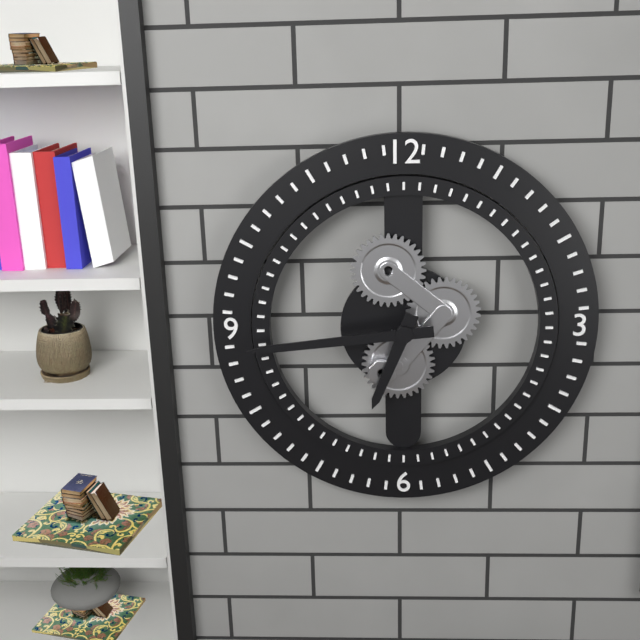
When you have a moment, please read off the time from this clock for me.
6:44
